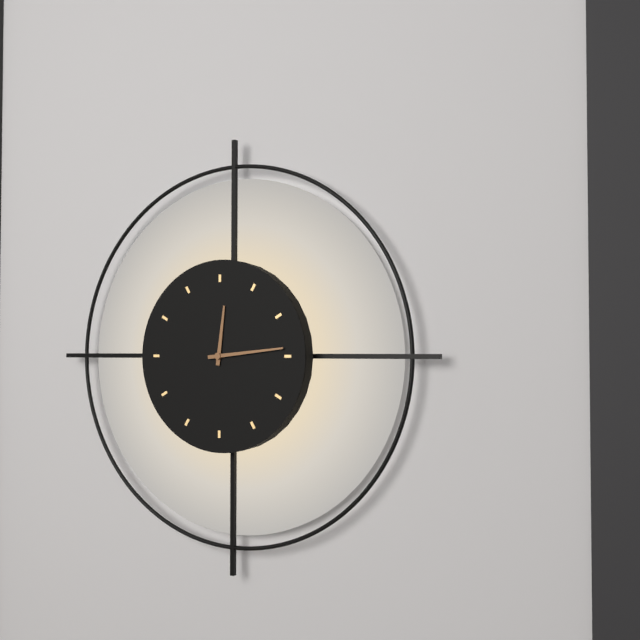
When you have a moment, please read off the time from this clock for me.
12:14
